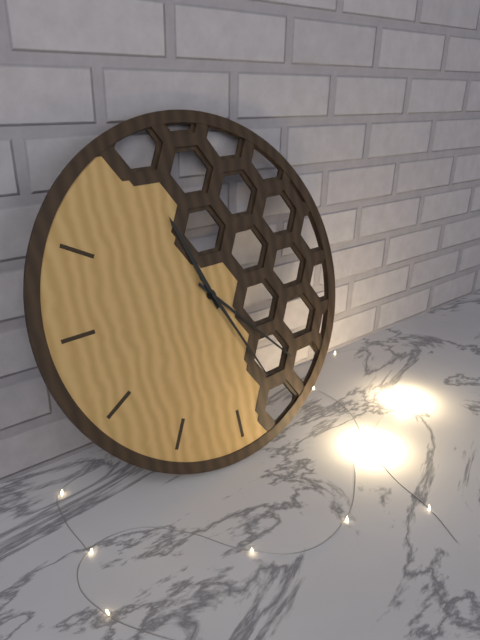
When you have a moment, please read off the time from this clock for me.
11:23:26
